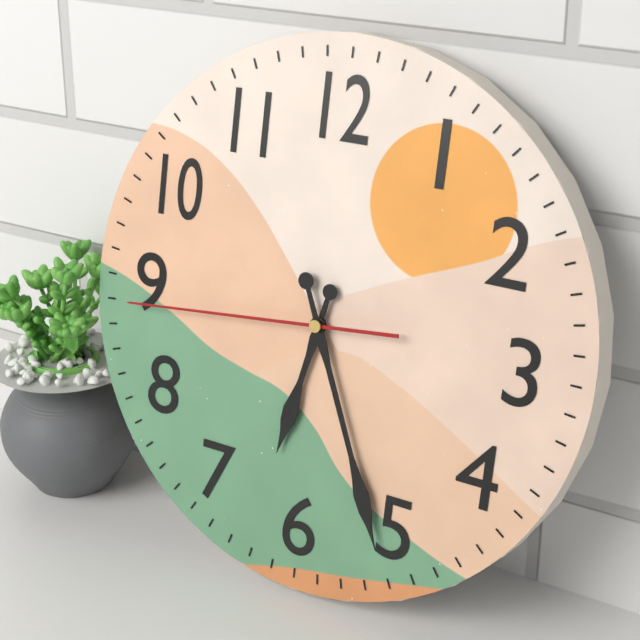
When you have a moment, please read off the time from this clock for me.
6:26:44
